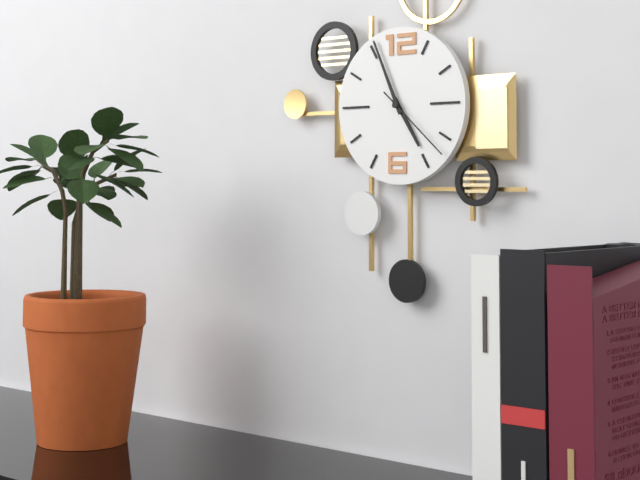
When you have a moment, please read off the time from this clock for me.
4:56:22
